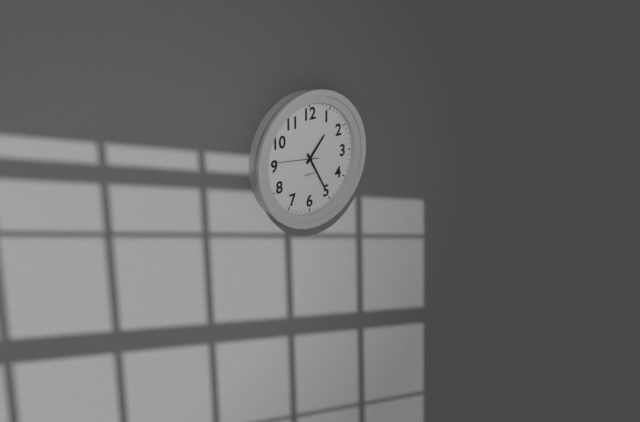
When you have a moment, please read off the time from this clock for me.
1:25
